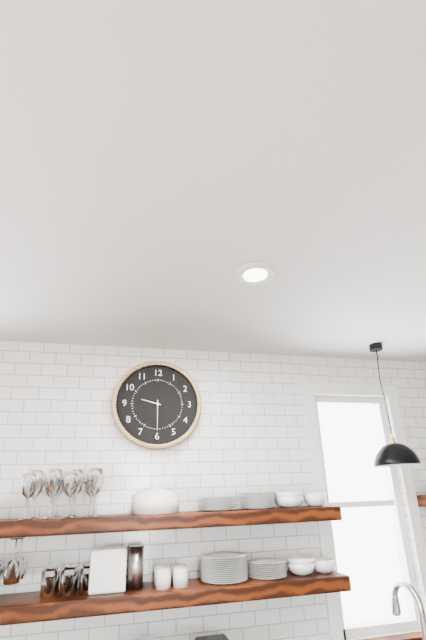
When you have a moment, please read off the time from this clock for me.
9:30
